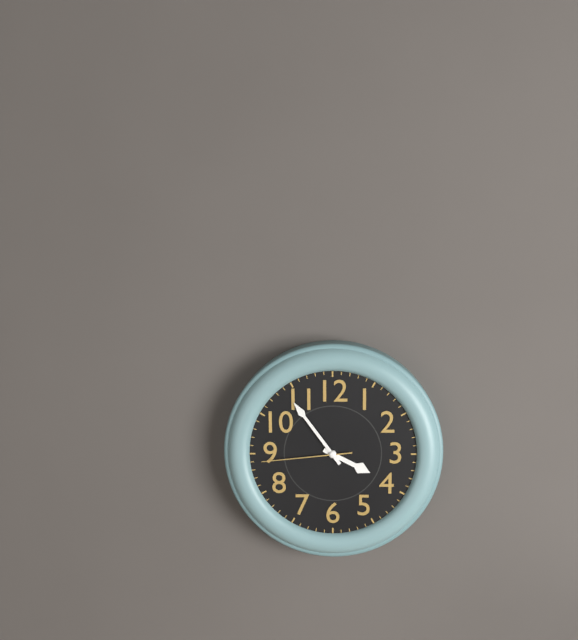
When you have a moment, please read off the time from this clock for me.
3:54:44
